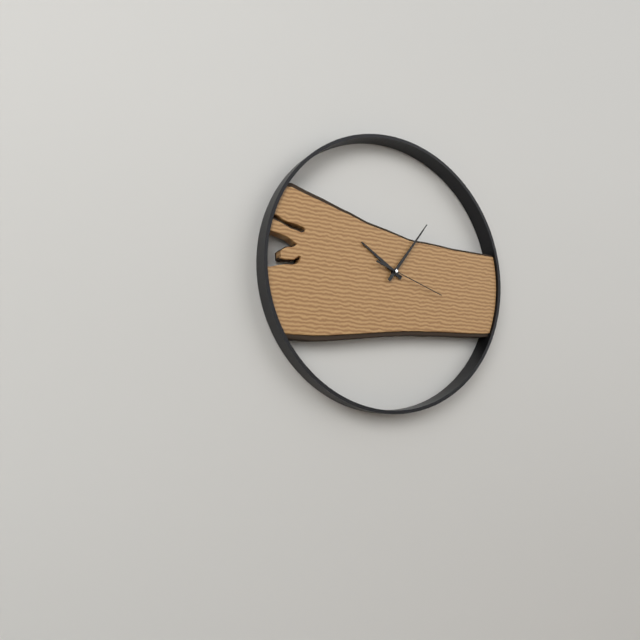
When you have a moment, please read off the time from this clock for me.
10:06:18
